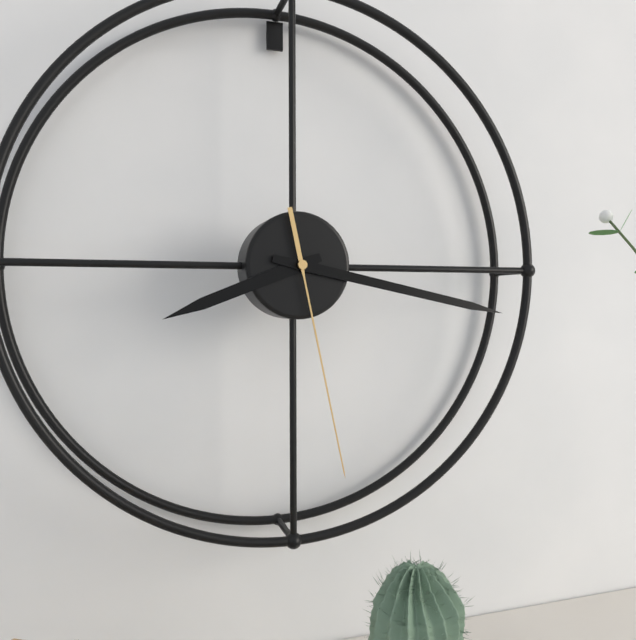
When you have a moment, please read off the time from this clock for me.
8:17:28
